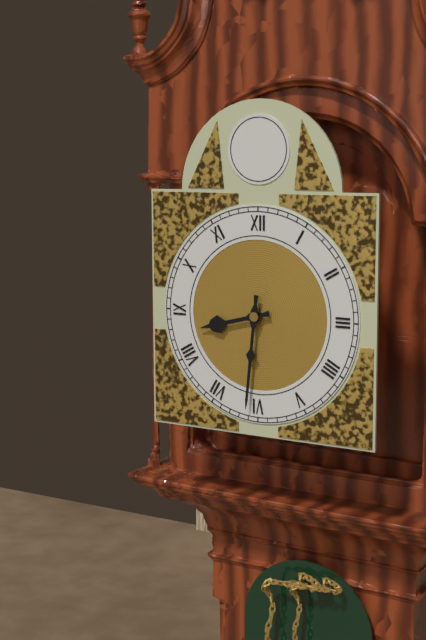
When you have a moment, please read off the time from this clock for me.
8:31
